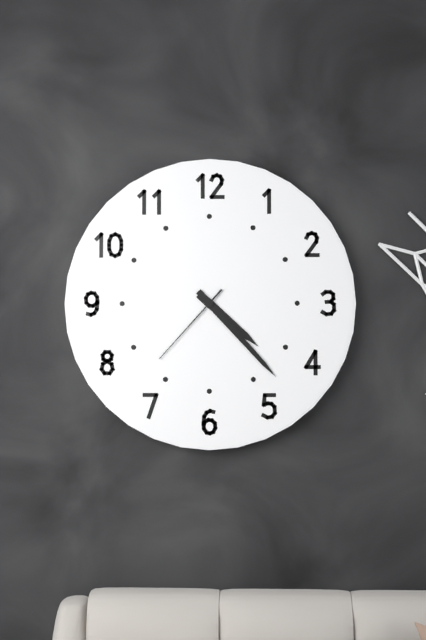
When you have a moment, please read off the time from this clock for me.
4:23:37
